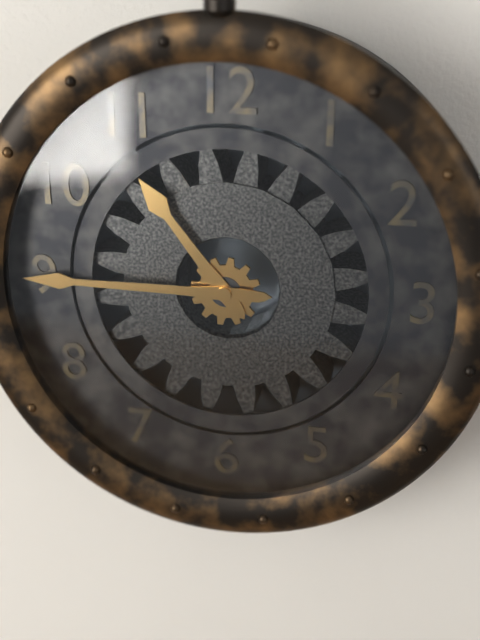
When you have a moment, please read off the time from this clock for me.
10:45
